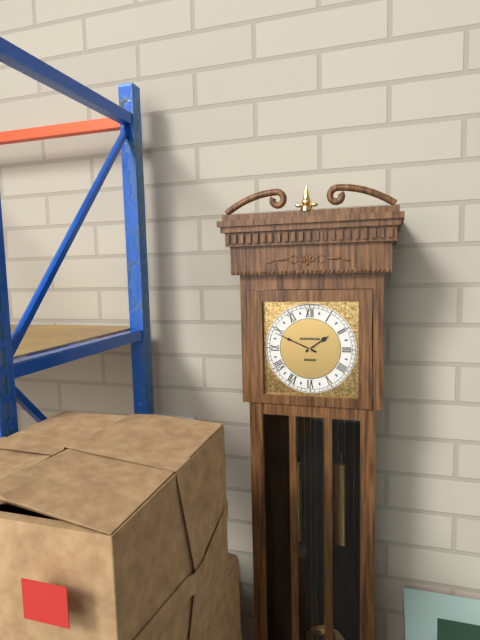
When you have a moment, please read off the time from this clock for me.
1:49
